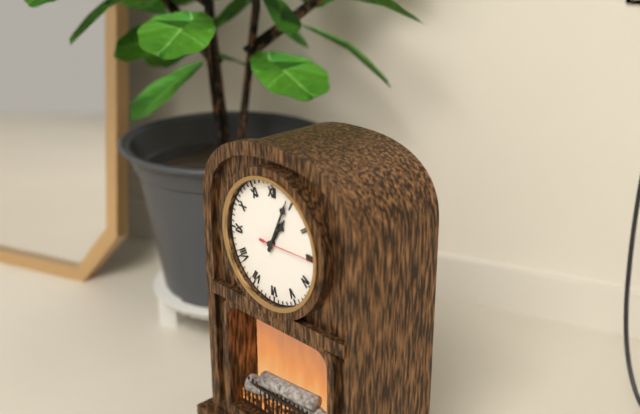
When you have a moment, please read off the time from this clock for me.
1:04
